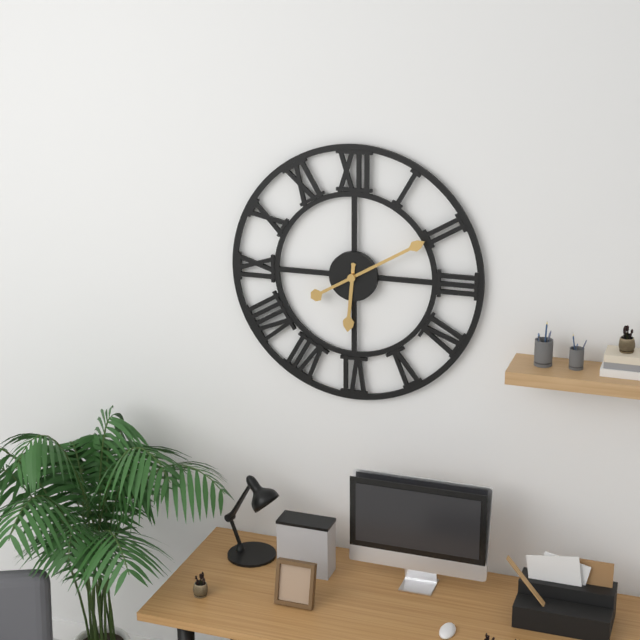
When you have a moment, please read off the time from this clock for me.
6:10
